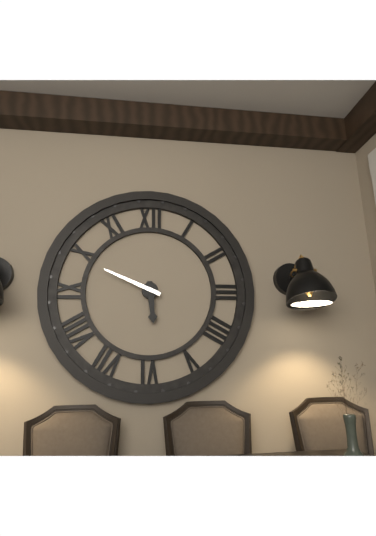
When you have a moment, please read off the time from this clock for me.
5:49
